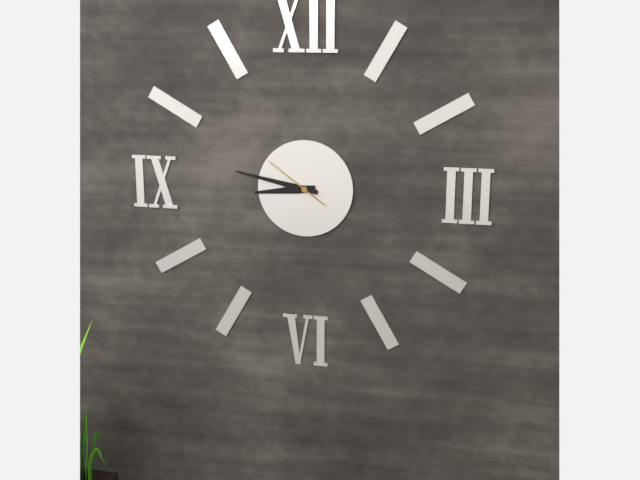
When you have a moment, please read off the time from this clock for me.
8:47:51
